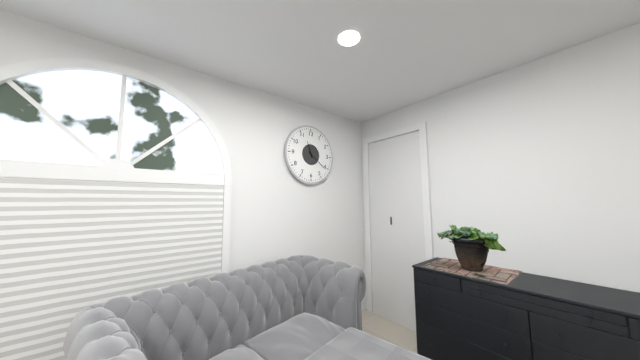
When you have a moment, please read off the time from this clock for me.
11:21
